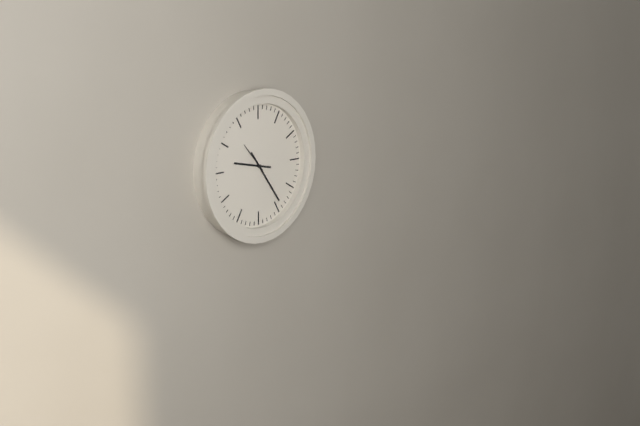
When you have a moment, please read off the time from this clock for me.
9:24
